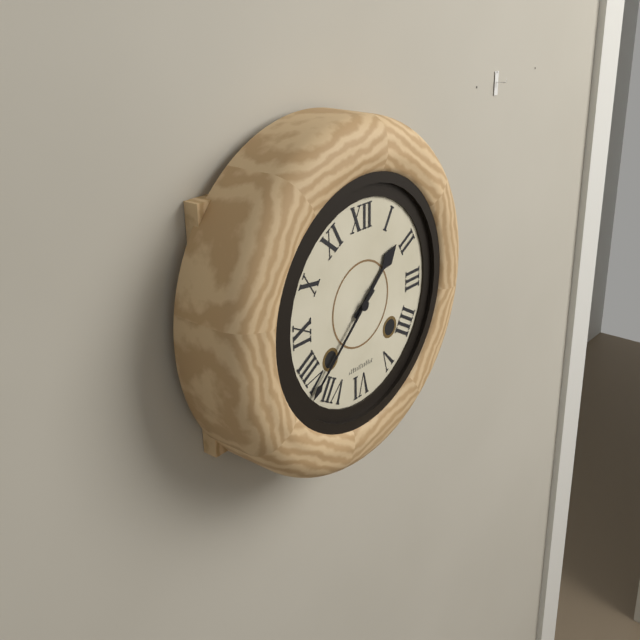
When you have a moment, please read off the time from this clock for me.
1:38
